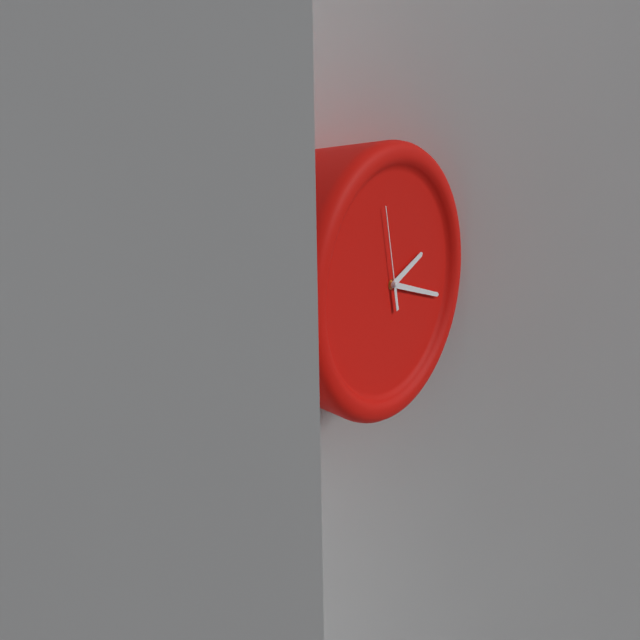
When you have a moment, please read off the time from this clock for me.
2:18:58
